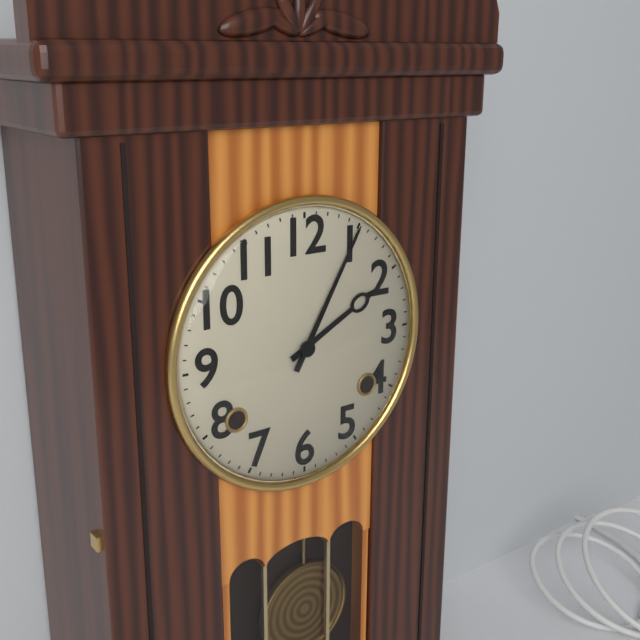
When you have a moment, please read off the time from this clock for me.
2:05
